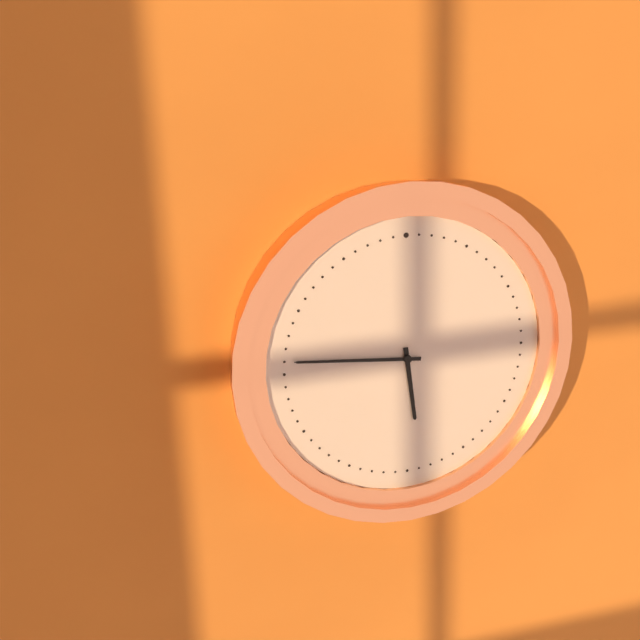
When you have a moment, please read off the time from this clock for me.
5:46
